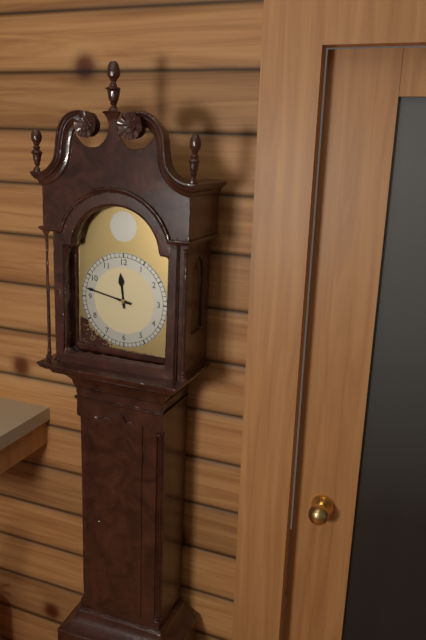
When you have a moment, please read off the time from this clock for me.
11:47
